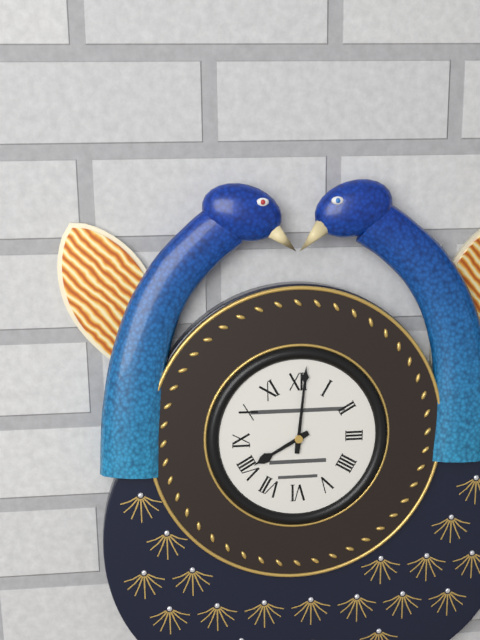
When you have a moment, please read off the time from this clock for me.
8:01
